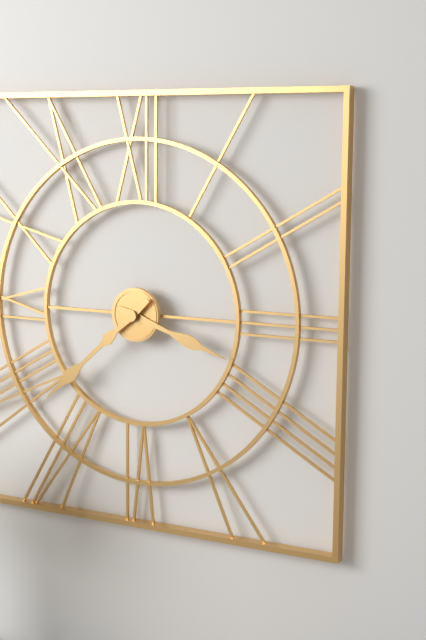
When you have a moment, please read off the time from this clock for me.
3:38
